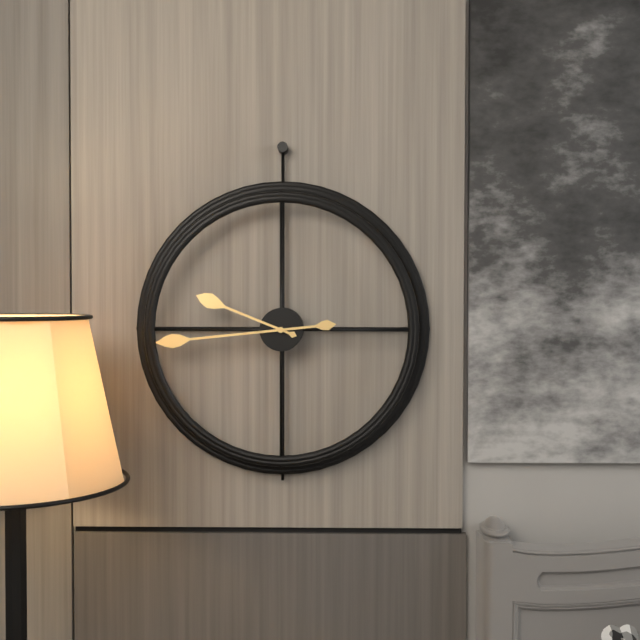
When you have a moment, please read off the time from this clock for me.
9:44
